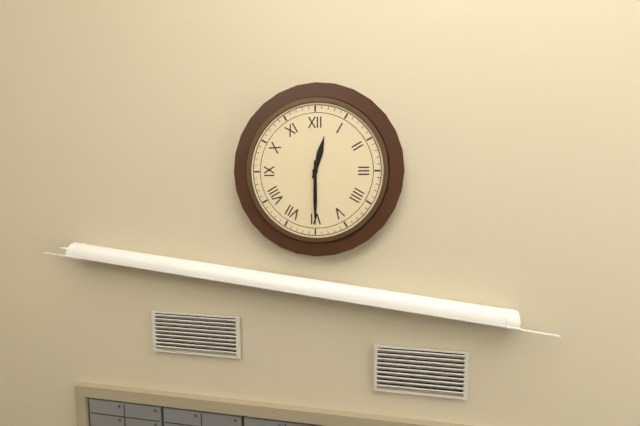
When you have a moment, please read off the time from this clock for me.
12:30
